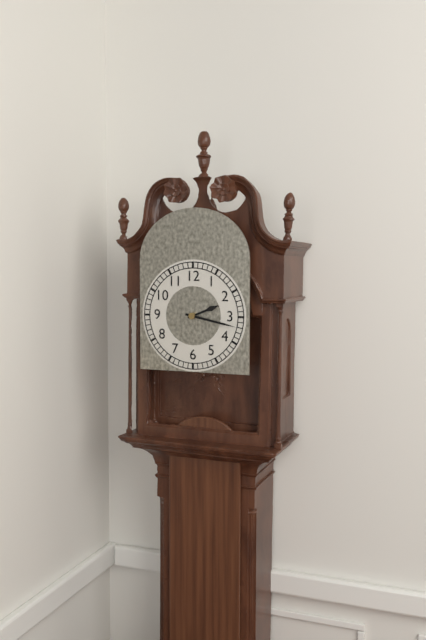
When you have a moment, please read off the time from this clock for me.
2:17
